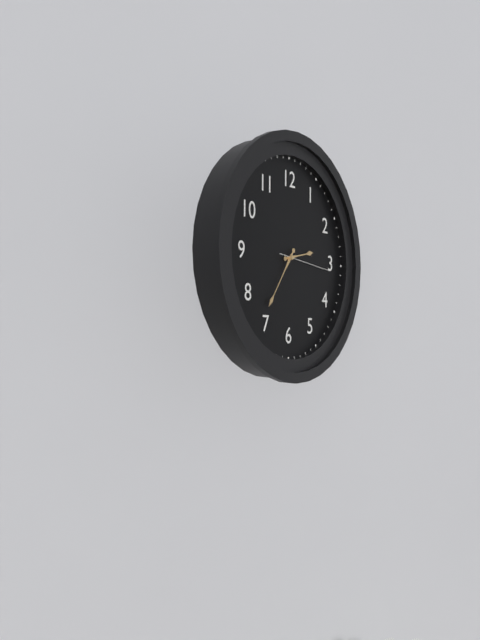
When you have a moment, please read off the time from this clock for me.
2:36:16
